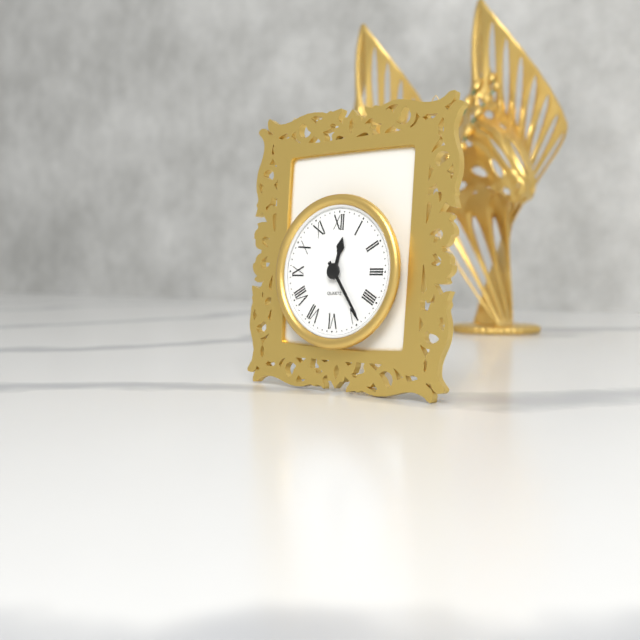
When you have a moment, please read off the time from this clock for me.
12:24
